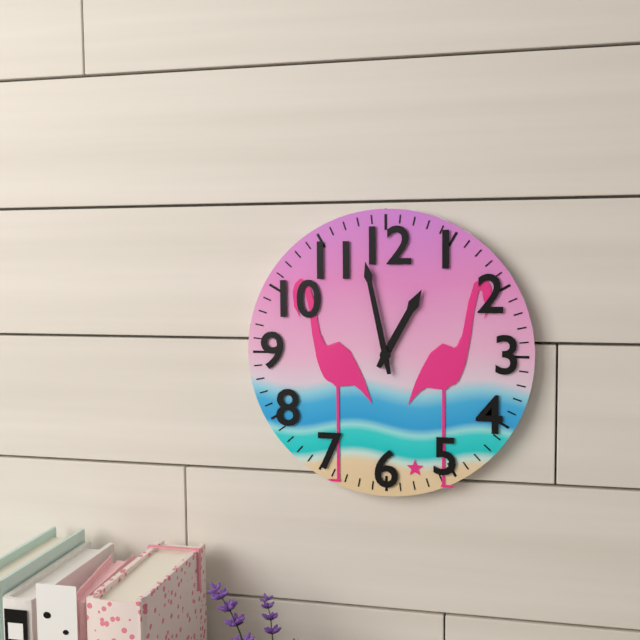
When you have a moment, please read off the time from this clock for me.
12:58
